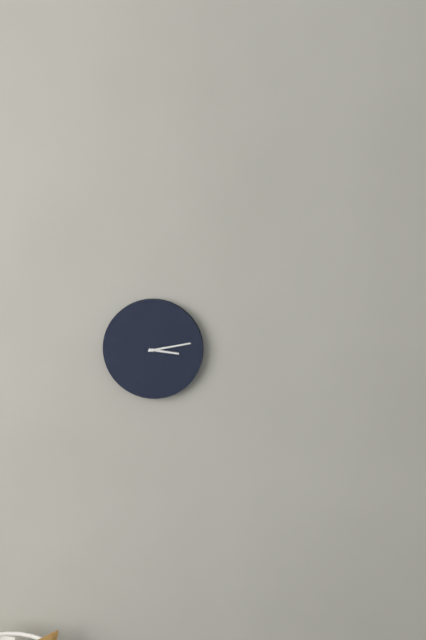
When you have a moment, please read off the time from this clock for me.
3:13
